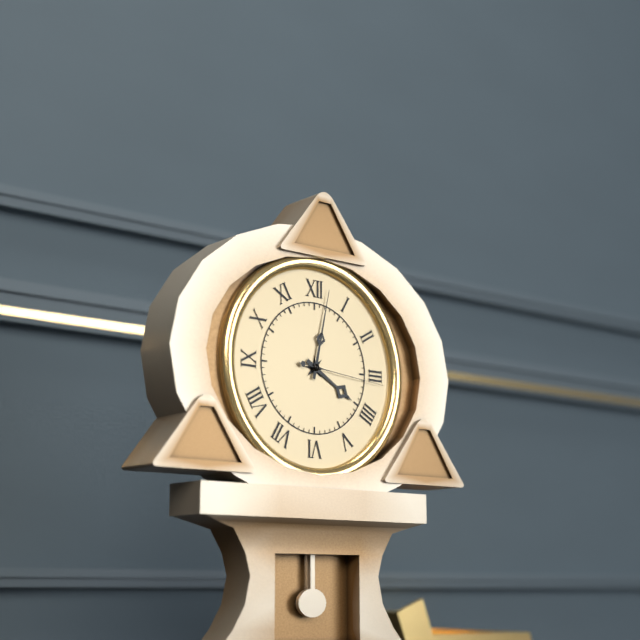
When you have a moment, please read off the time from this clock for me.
4:02:16
